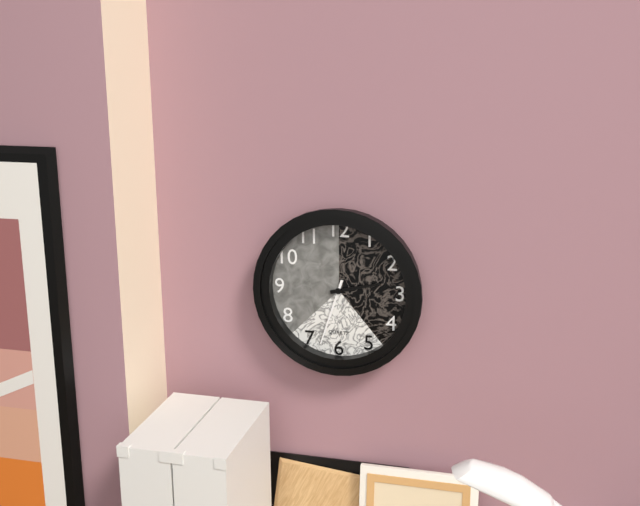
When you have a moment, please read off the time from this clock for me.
2:33
